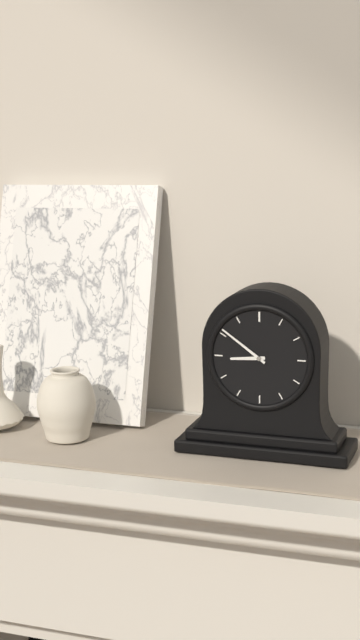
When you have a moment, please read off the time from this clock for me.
8:51
